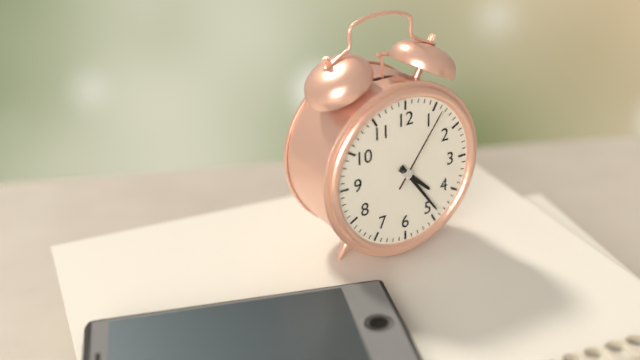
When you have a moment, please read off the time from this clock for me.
4:24:06
